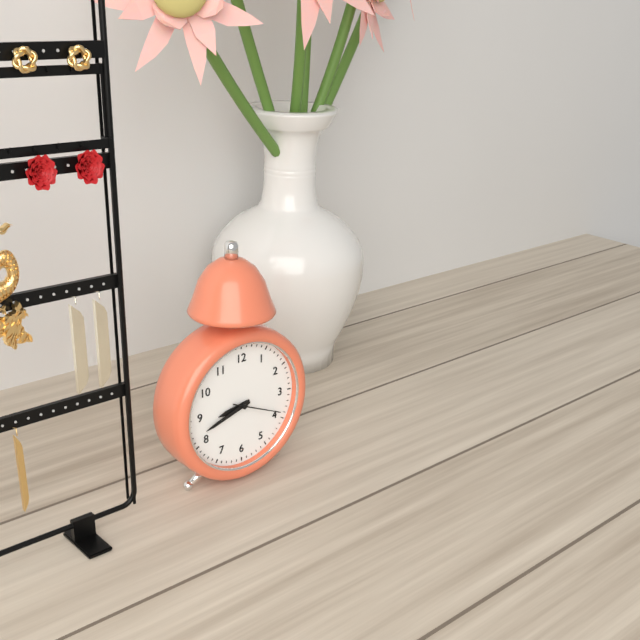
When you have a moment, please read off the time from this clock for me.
8:42
